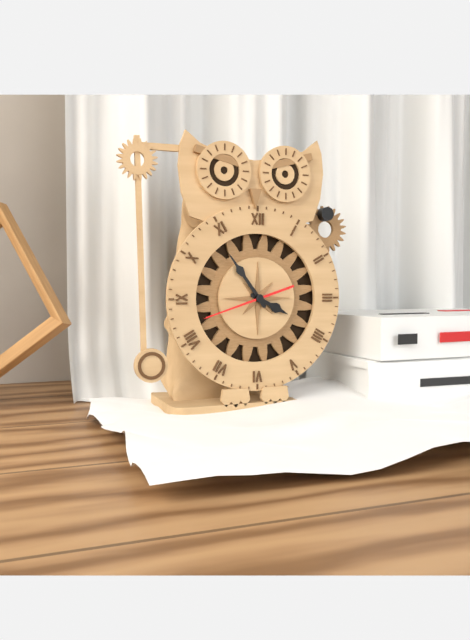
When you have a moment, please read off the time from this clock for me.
3:54:42
